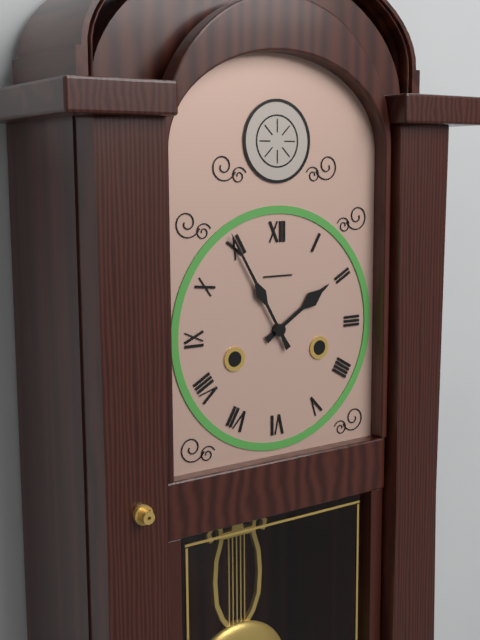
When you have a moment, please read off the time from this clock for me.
1:55
